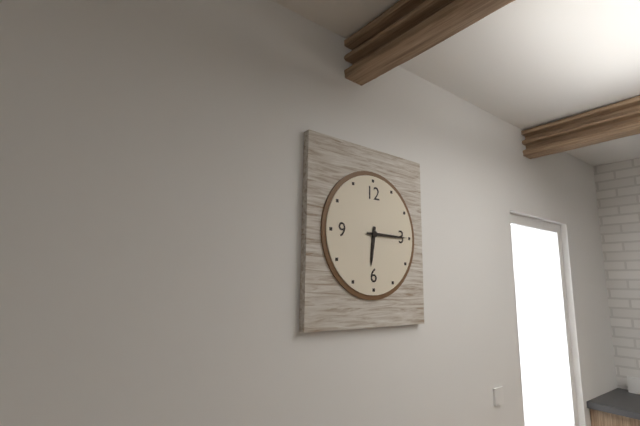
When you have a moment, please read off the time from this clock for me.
6:15
